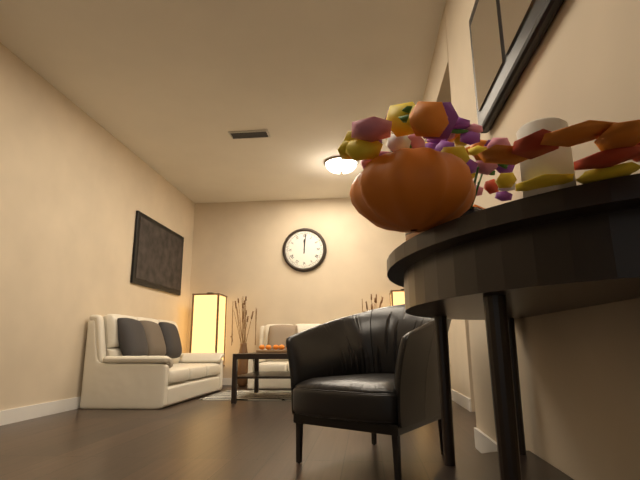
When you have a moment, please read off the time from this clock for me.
12:01
